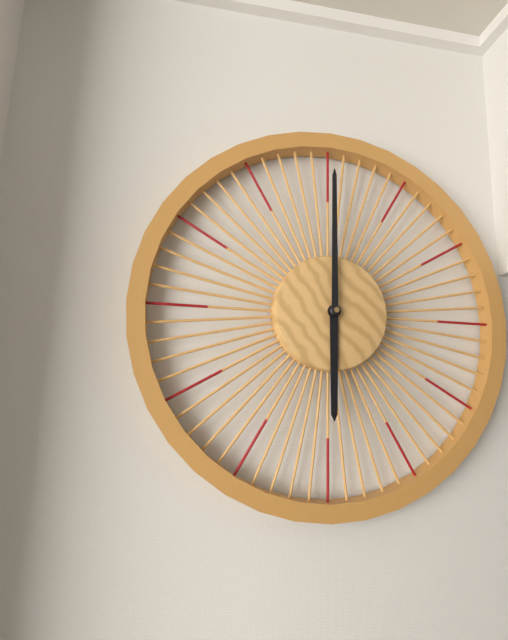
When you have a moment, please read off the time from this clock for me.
6:00
